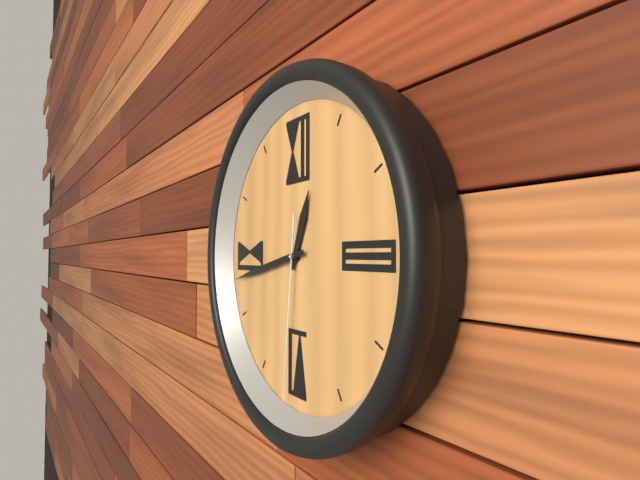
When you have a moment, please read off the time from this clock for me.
12:43:31
